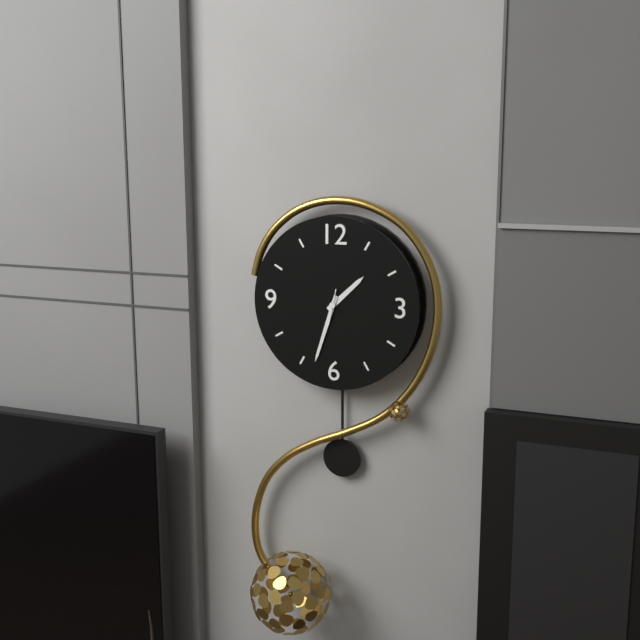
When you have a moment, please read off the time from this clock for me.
1:33
